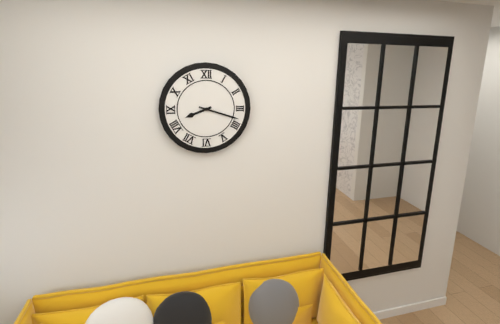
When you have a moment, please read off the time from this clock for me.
8:18
